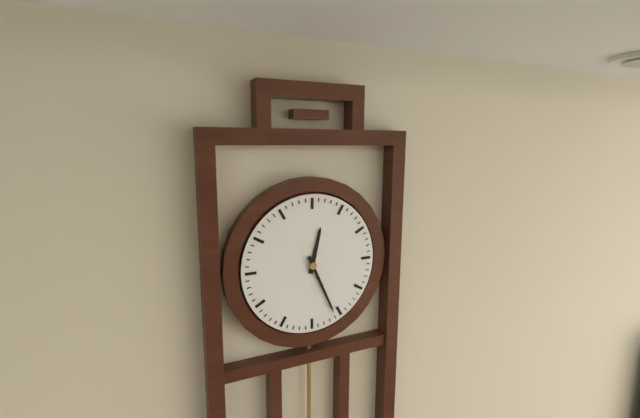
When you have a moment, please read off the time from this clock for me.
12:26
